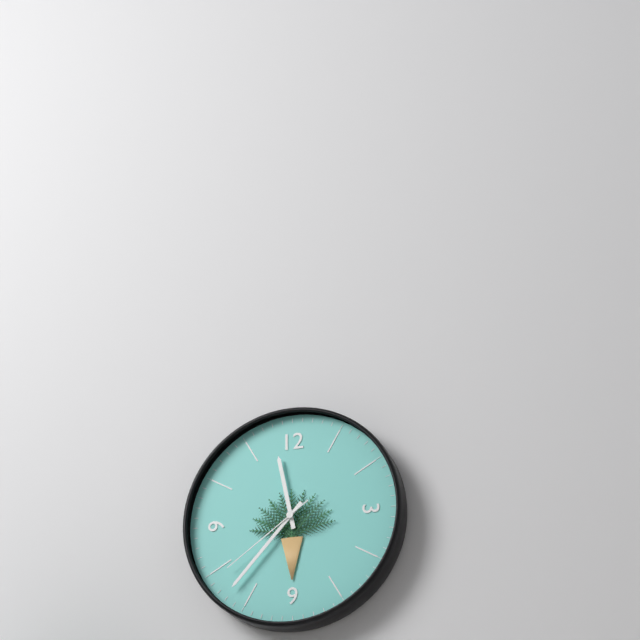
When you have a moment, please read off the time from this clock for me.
11:37:39
